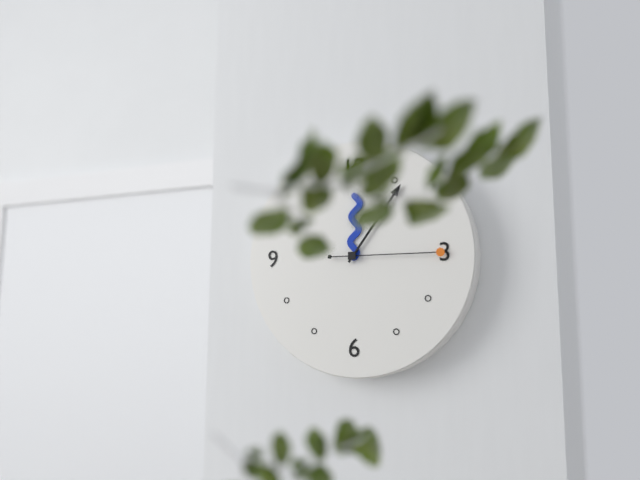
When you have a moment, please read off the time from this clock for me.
12:06:15
